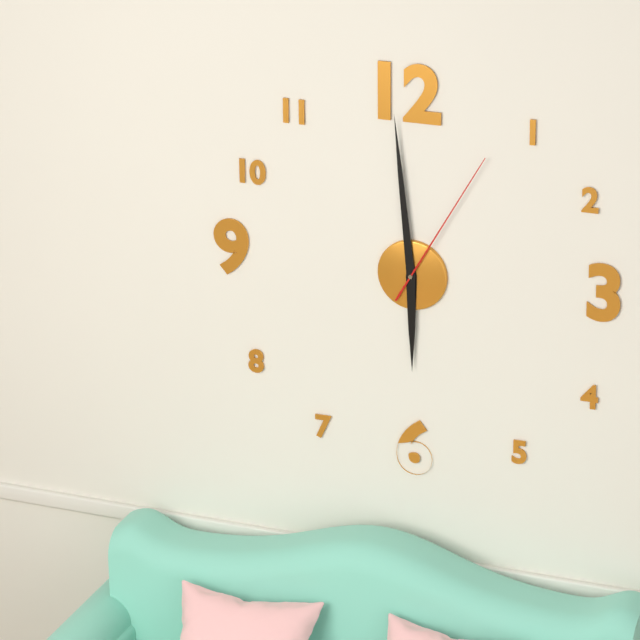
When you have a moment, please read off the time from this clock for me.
5:59:05
